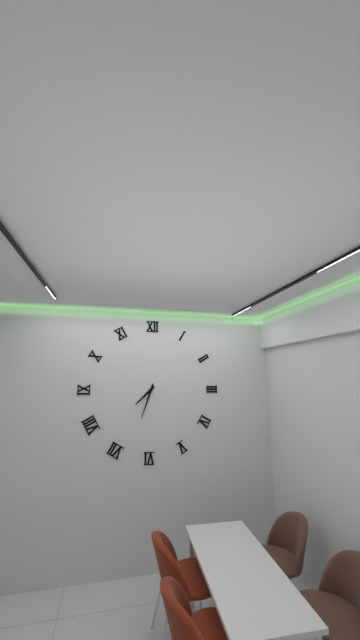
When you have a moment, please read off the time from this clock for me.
7:33
